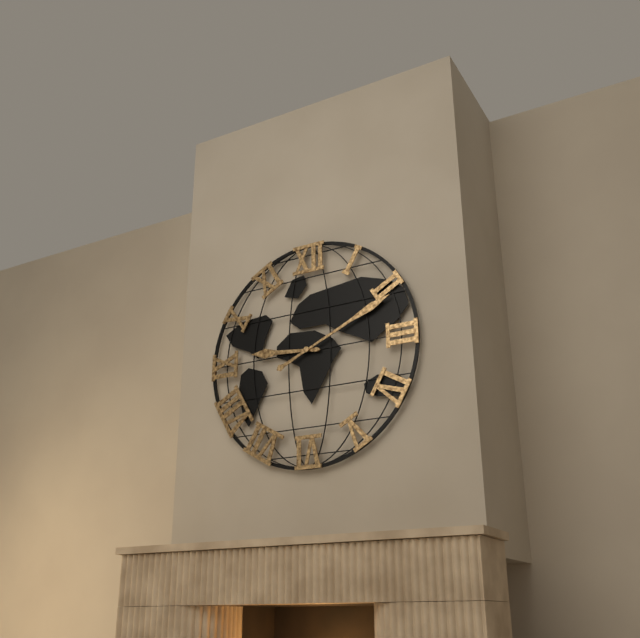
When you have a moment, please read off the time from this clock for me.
9:11
